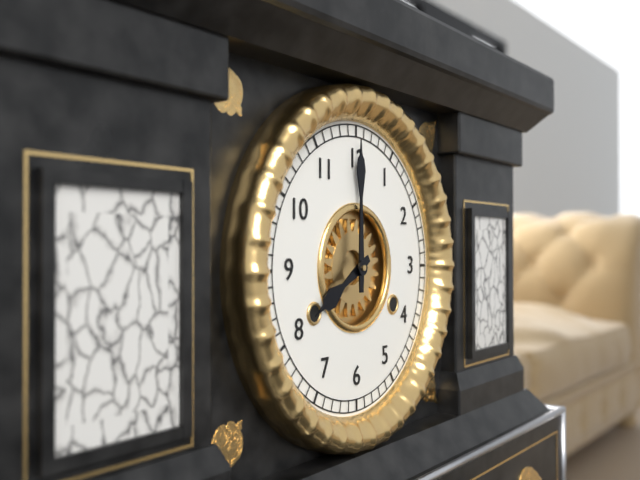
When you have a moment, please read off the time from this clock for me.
8:00
